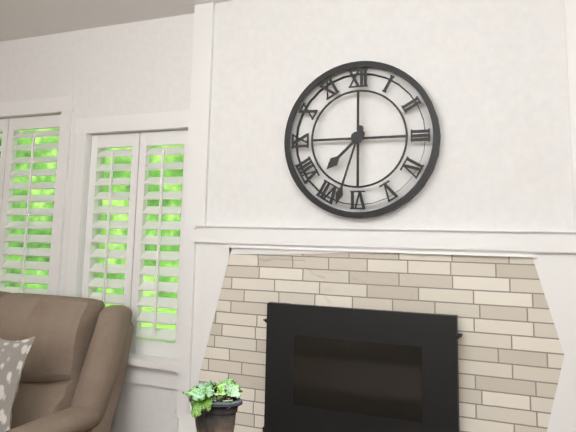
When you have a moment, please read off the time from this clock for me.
7:33
